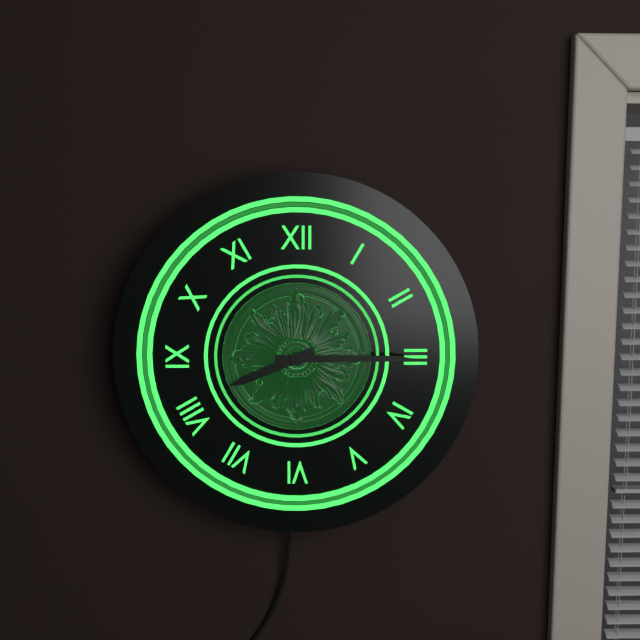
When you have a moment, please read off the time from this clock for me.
8:15
